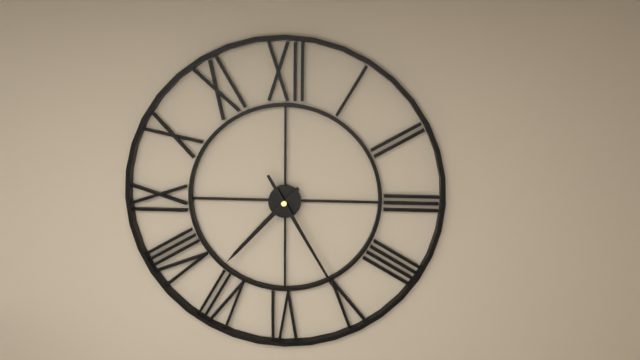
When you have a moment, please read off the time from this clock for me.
7:25
